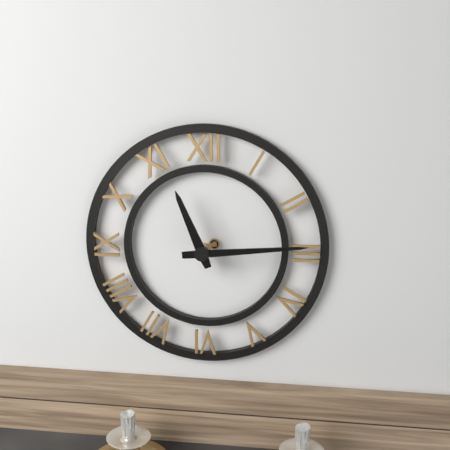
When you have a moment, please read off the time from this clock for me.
11:14
